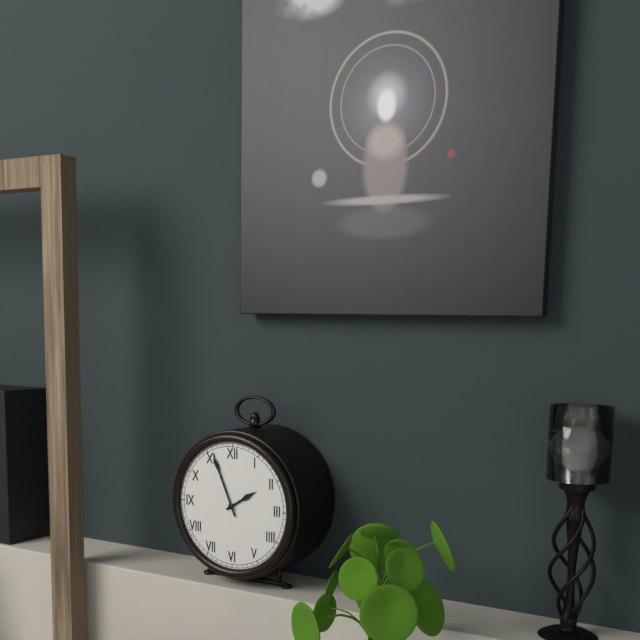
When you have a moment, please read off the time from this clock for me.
1:56
